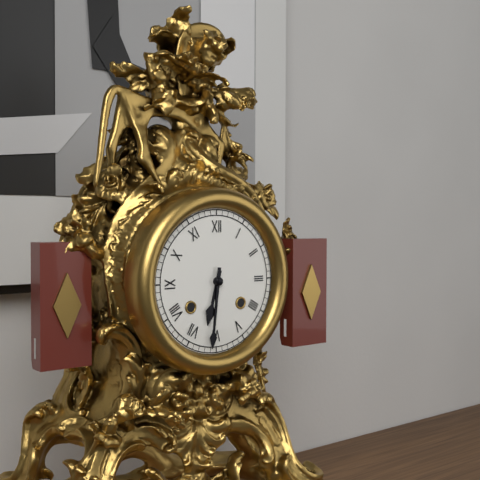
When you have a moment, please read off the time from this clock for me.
6:31
